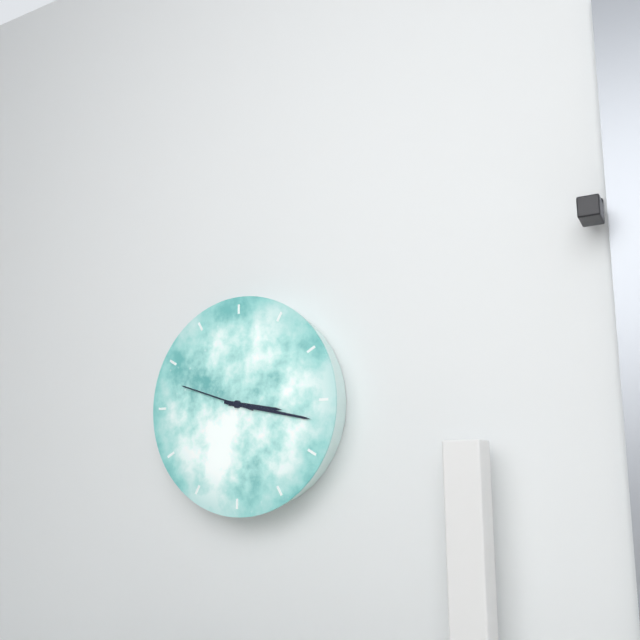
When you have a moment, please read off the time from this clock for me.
3:17:48
